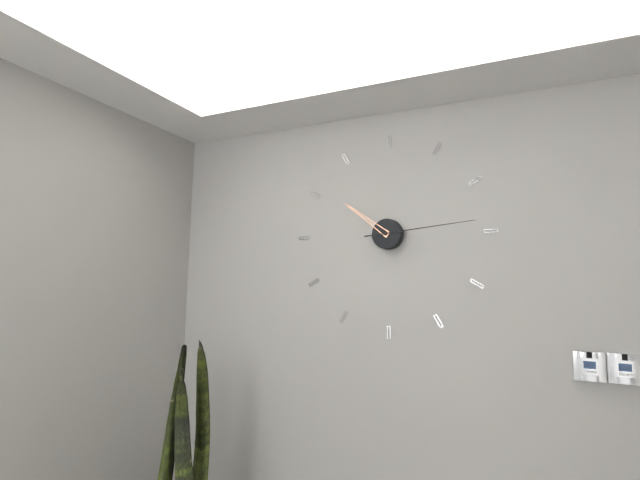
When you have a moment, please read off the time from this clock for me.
10:14
